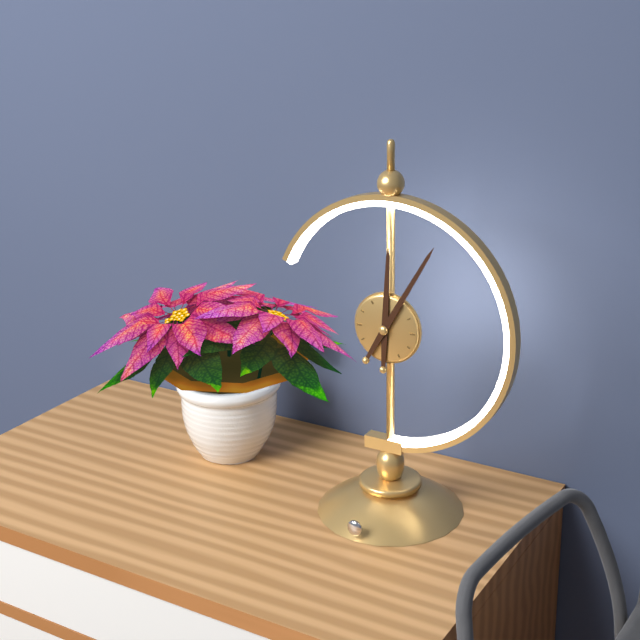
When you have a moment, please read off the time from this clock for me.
12:05
